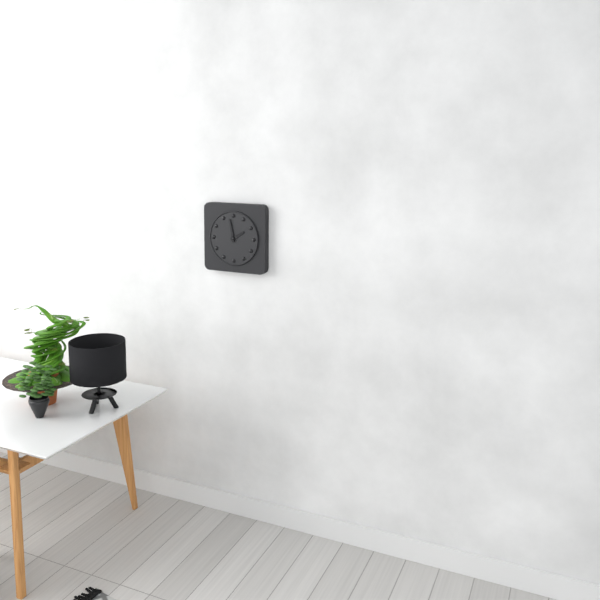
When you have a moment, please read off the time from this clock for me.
1:58
